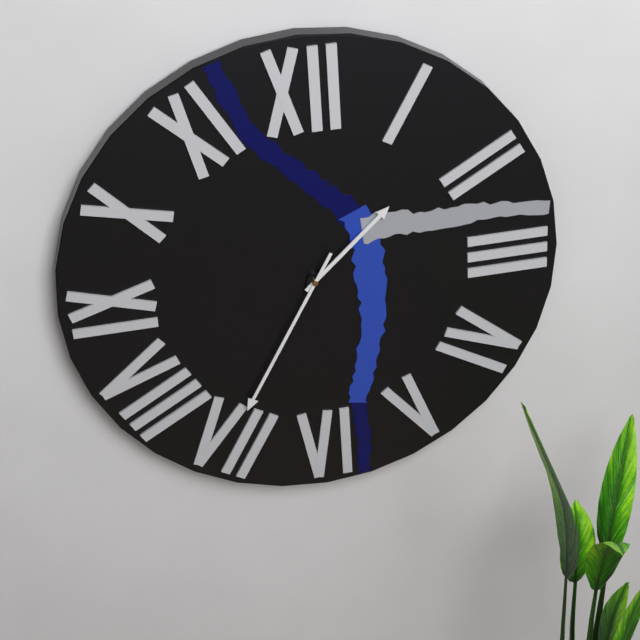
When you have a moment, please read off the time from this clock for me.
1:35
